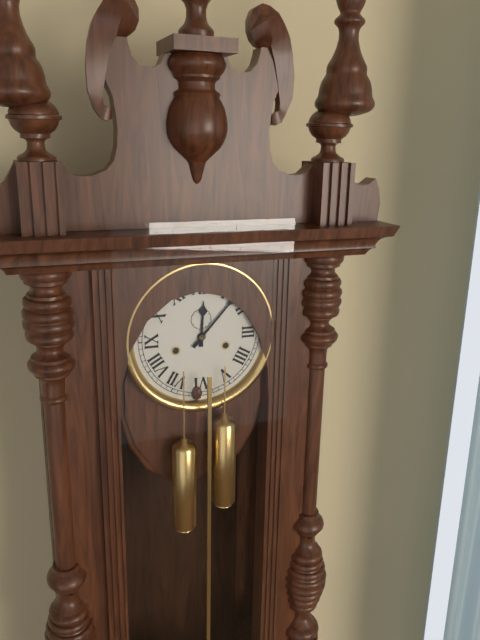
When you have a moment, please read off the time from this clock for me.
12:07
